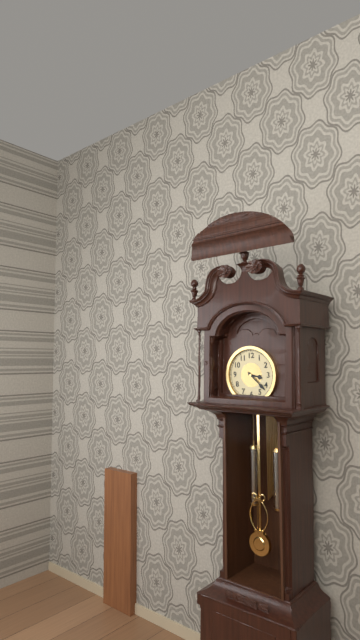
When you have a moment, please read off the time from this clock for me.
3:22
